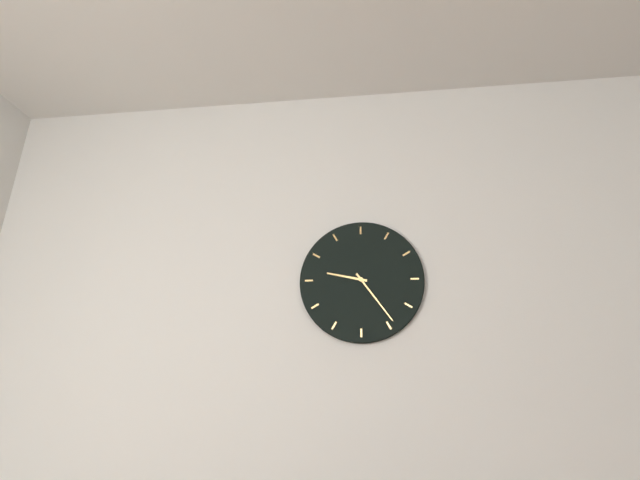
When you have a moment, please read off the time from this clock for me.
9:24
